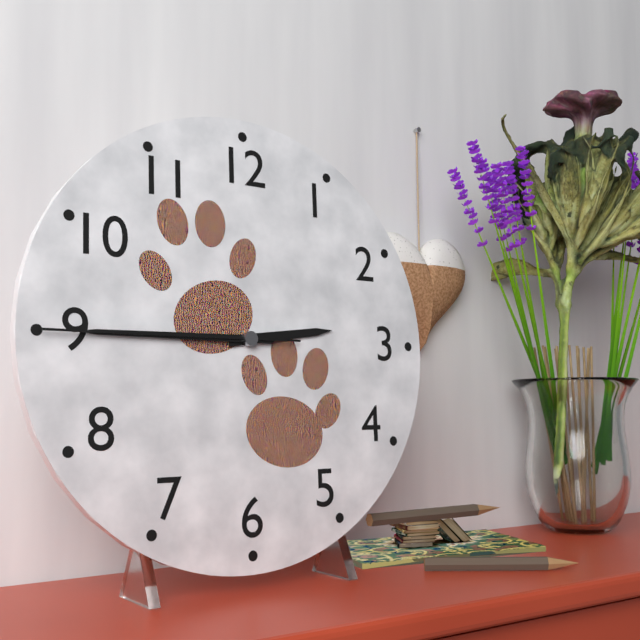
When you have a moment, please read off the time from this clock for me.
2:45:45
